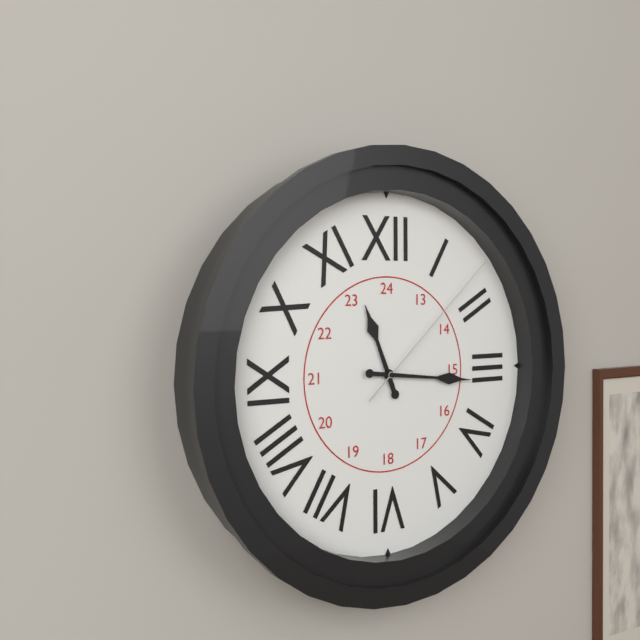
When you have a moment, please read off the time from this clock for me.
11:16:08
